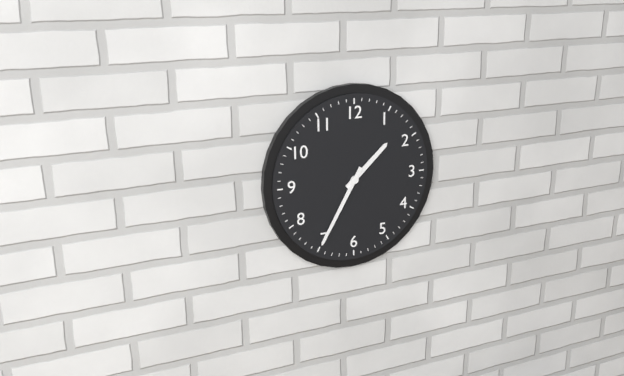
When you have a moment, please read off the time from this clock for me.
1:35
